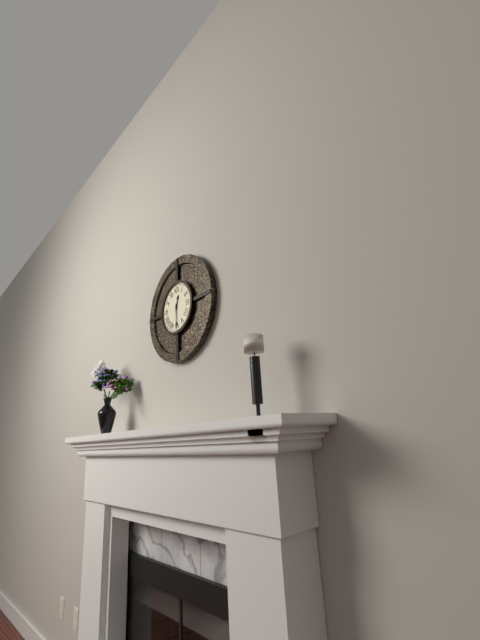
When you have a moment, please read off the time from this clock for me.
12:30
